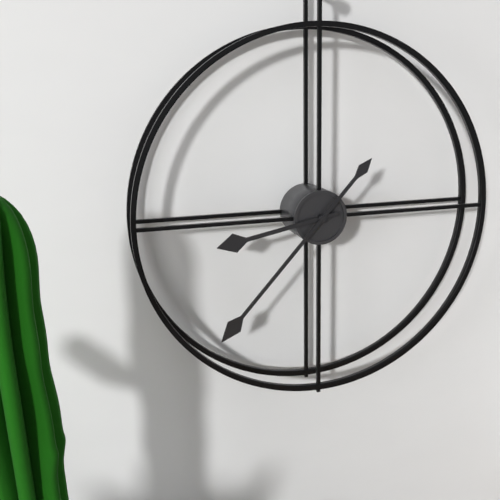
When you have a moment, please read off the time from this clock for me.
8:37
